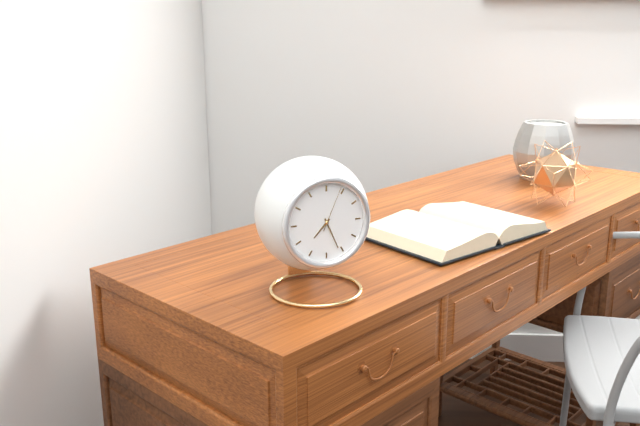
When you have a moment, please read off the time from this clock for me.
7:26
